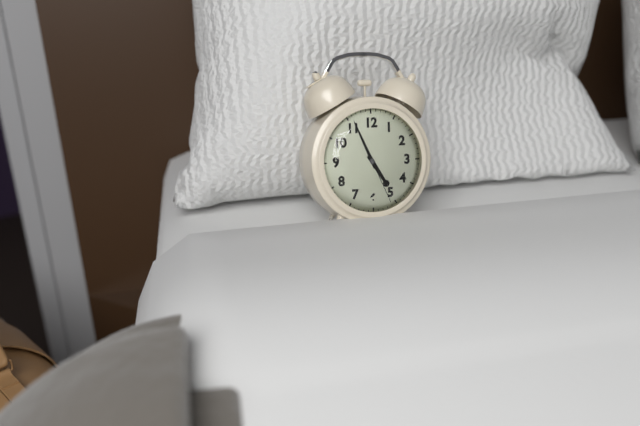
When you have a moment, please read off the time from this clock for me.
4:56:26
